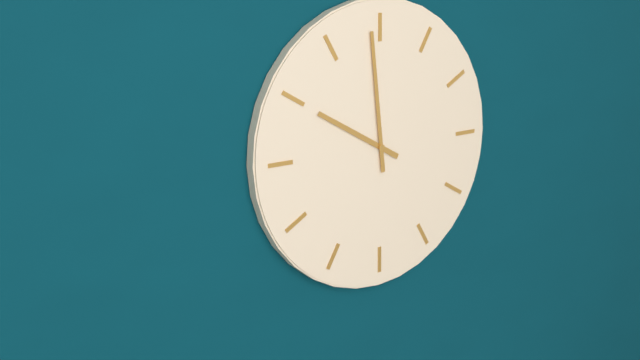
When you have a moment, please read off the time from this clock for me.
9:59
